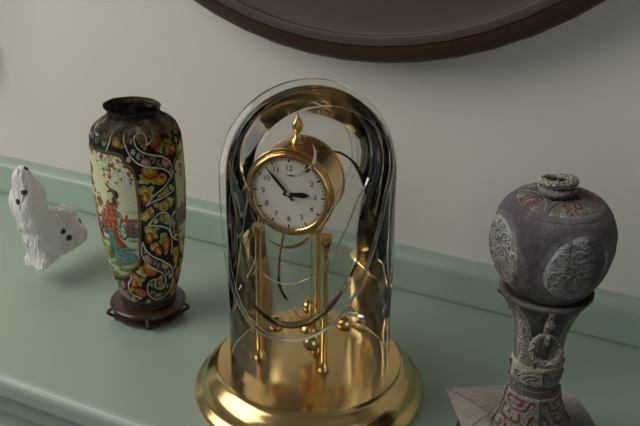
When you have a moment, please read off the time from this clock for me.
2:53
